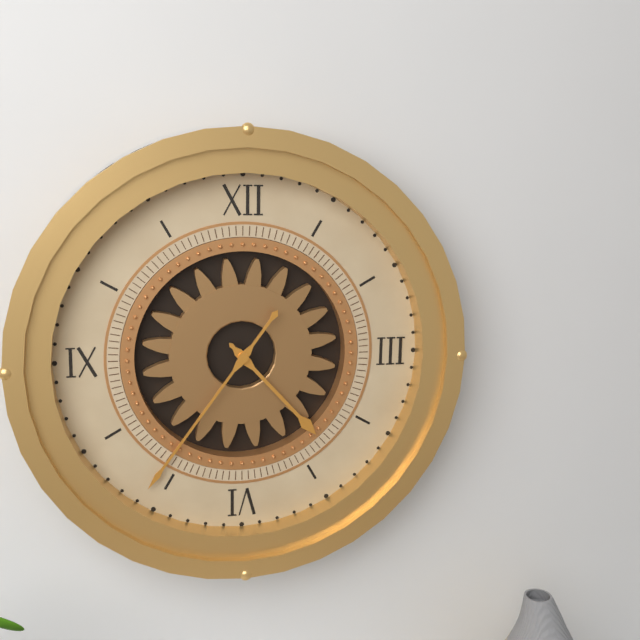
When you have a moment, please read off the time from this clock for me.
4:36
